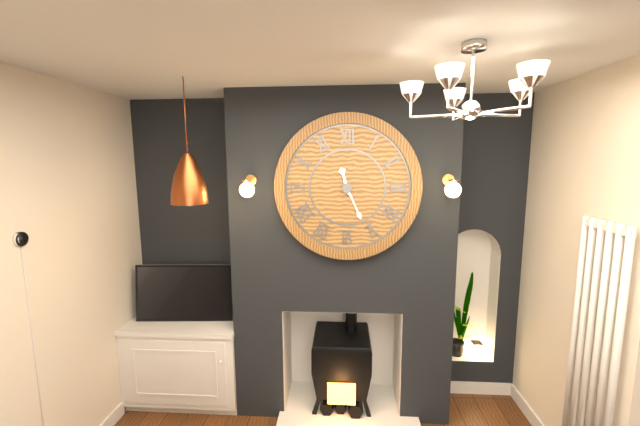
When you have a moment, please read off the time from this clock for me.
11:26
